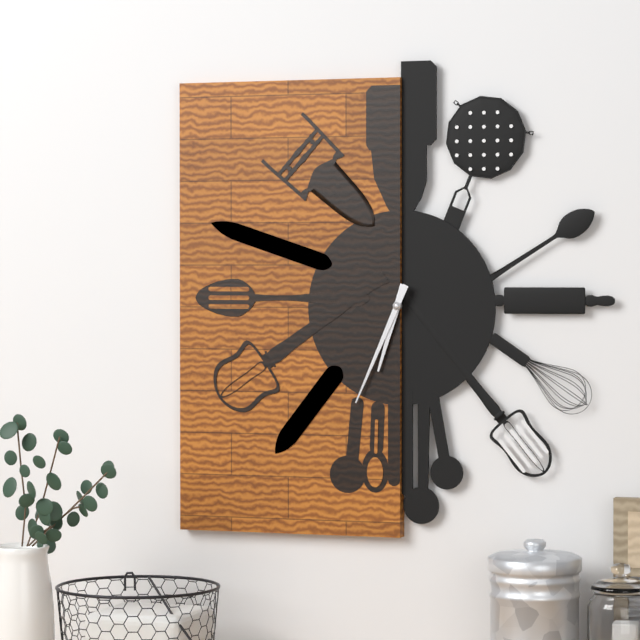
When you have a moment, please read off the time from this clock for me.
6:34
